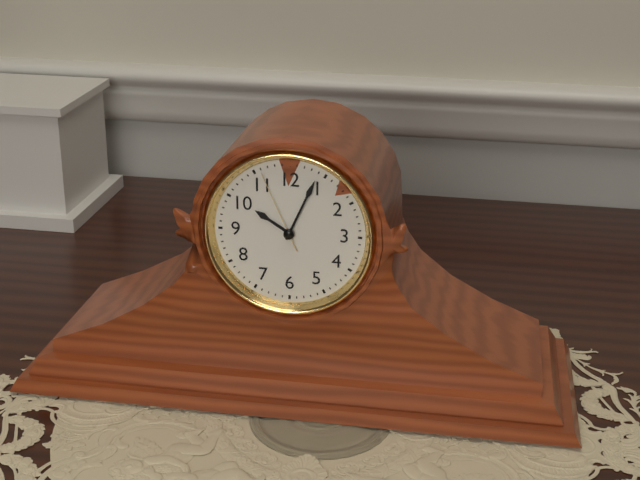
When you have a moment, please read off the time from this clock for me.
10:04:56
